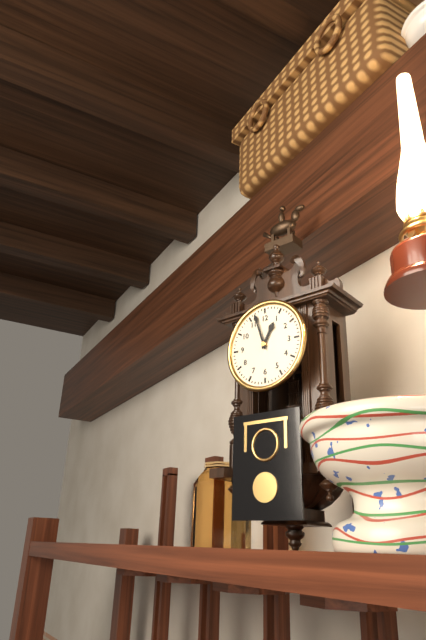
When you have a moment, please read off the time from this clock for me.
12:57
